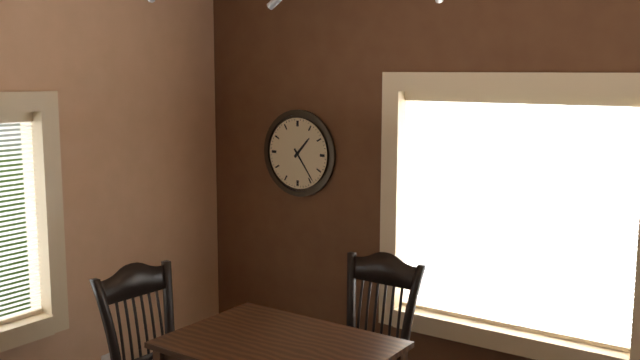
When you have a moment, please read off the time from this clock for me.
1:24
